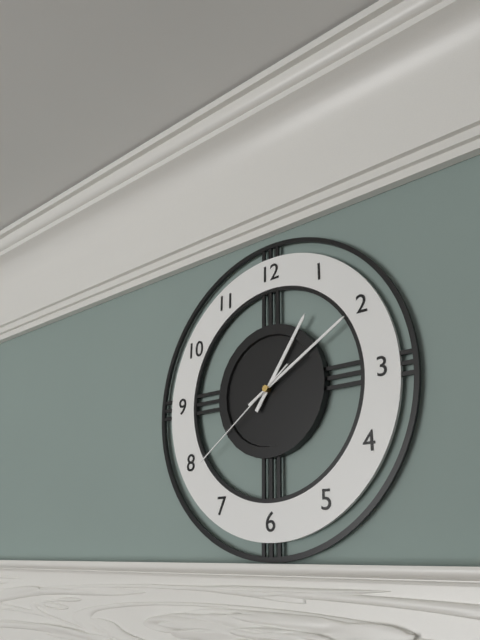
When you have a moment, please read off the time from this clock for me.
1:10:39
